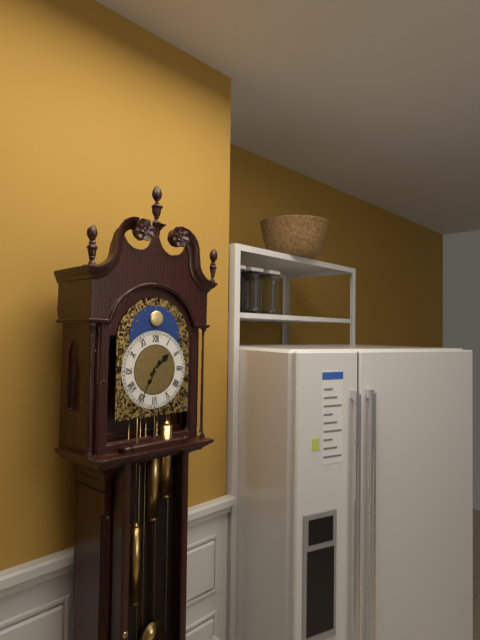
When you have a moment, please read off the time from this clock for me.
1:35
